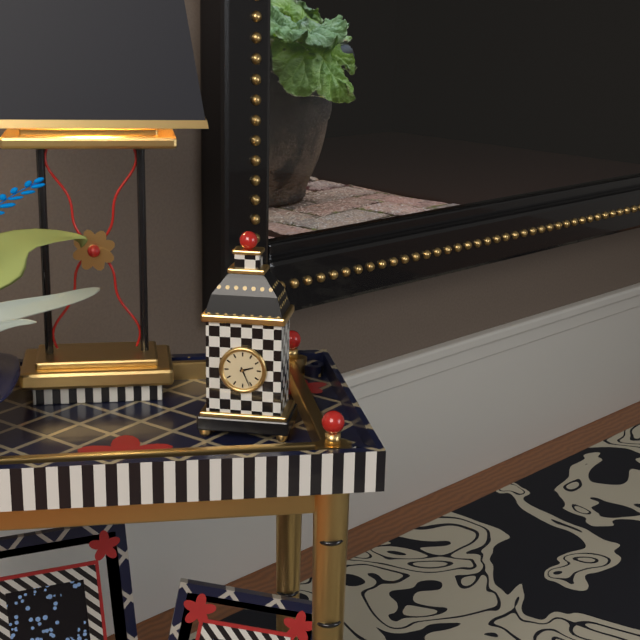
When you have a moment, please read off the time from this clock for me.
2:26
